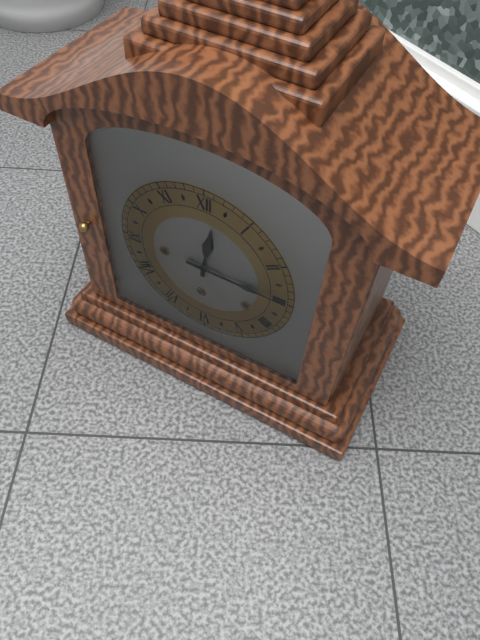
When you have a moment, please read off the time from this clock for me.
12:15
